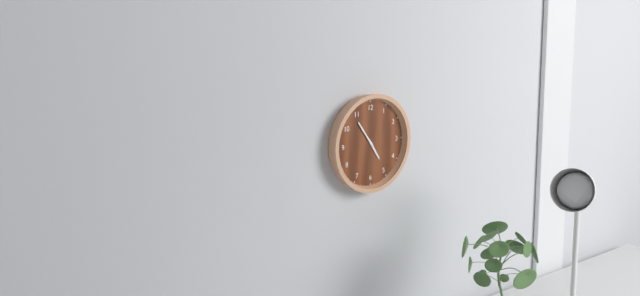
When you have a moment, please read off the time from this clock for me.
4:54
